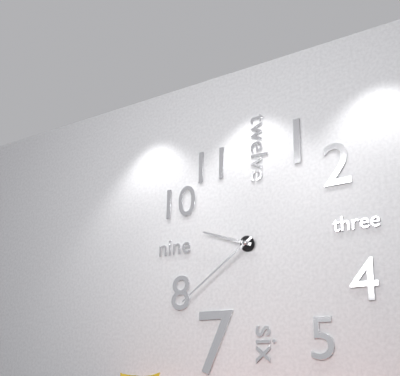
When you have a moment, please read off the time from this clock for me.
9:39
